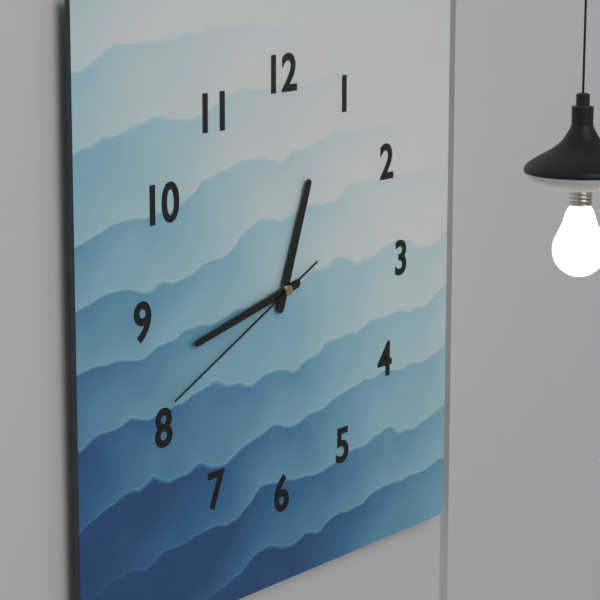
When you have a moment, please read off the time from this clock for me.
12:43:41
